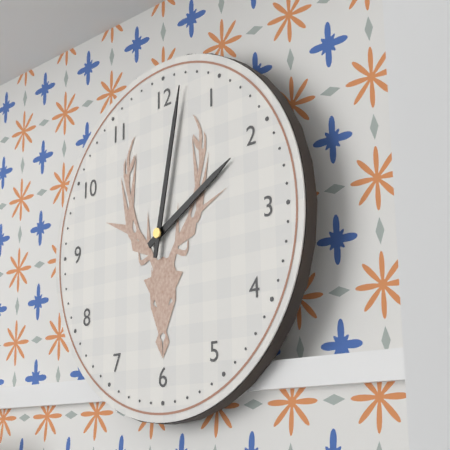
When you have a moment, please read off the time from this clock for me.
2:02
